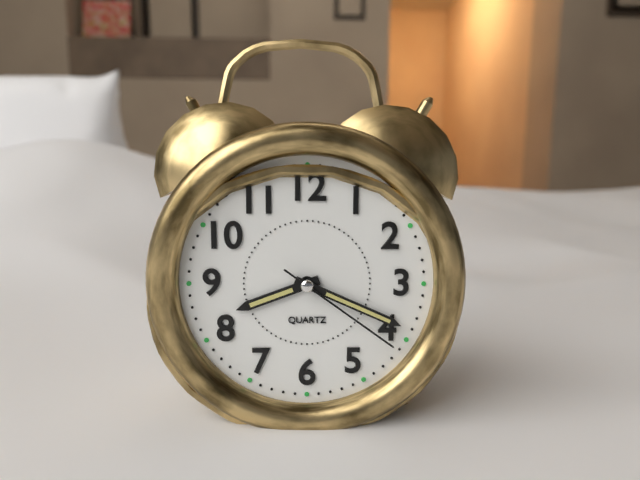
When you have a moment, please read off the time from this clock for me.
8:19:21
